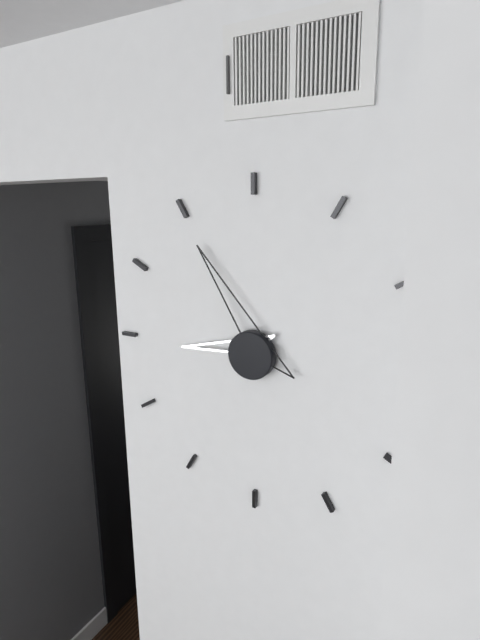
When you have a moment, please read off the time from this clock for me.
8:55
